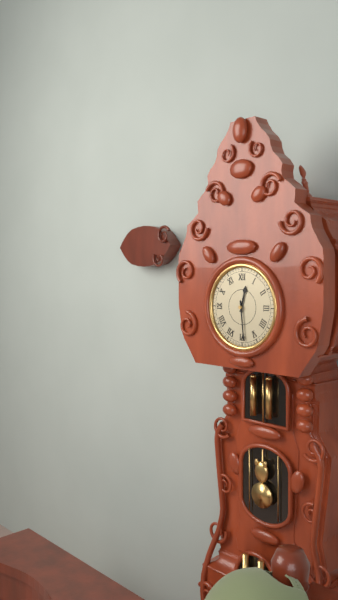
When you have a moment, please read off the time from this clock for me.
12:29
